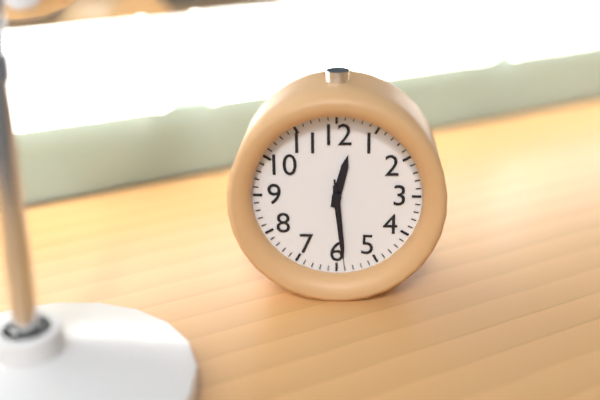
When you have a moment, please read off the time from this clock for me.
12:29:29
